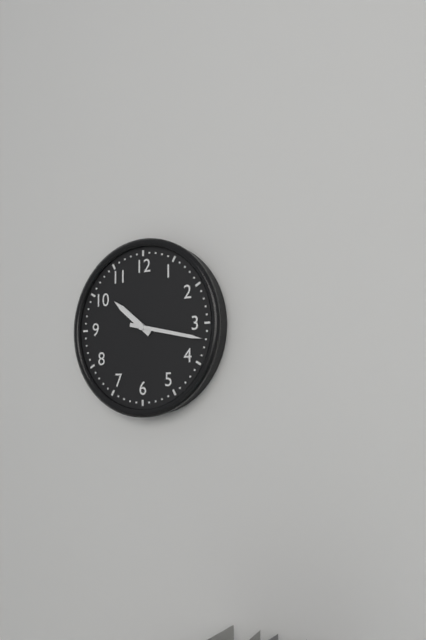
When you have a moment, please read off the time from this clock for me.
10:17
